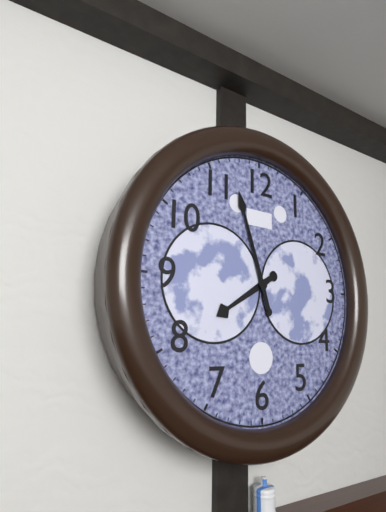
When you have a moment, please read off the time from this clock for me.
7:57
